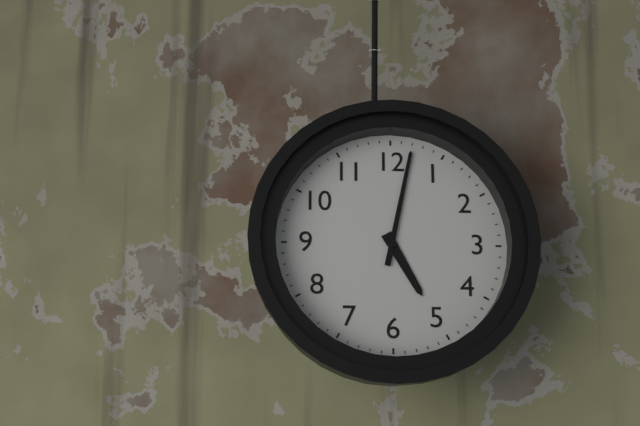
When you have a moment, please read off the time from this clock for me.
5:02
